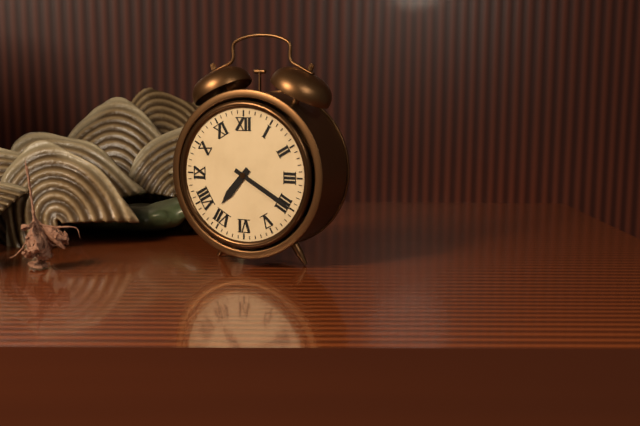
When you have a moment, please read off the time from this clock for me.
7:20
